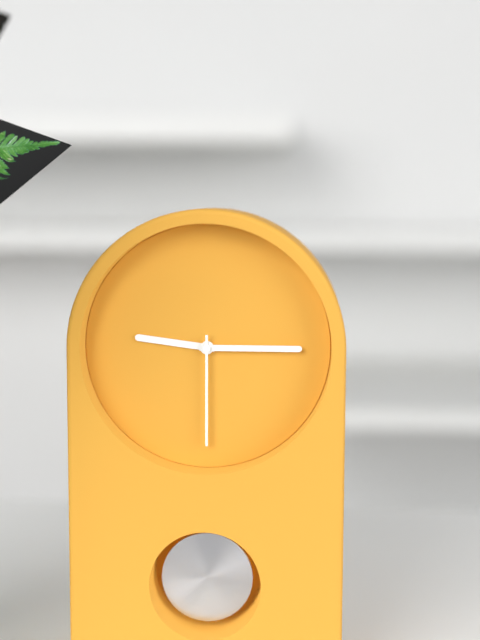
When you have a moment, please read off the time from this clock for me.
9:15:30
